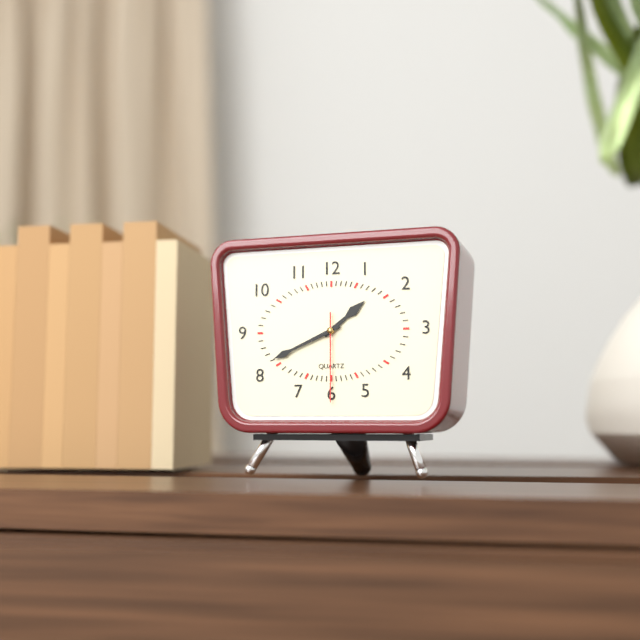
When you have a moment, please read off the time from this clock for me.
1:41:30
